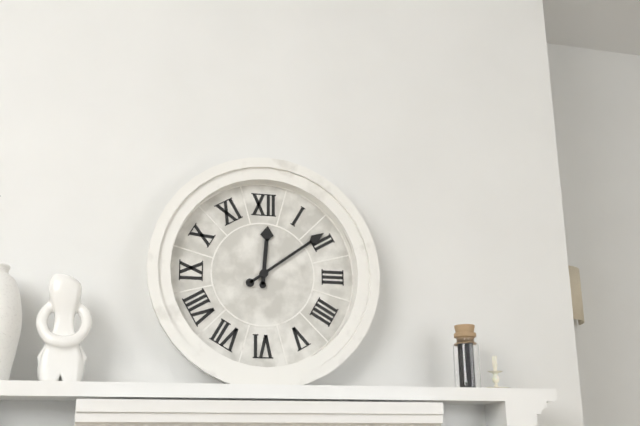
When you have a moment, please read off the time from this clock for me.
12:09
